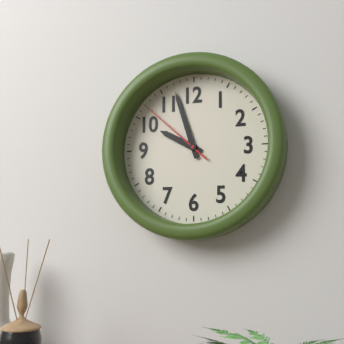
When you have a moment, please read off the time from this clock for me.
9:57:52
